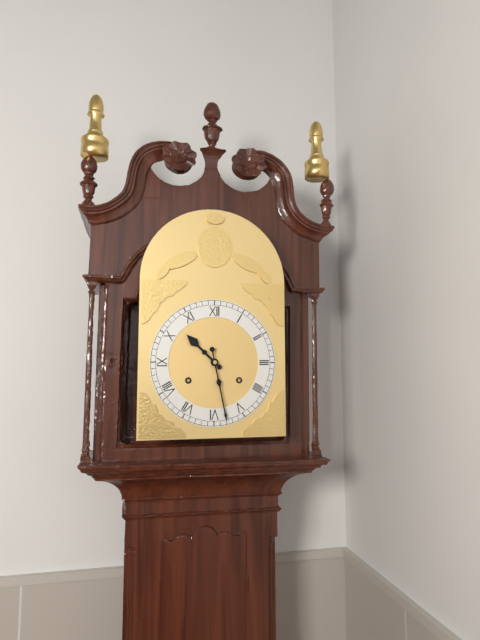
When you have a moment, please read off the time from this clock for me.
10:28
